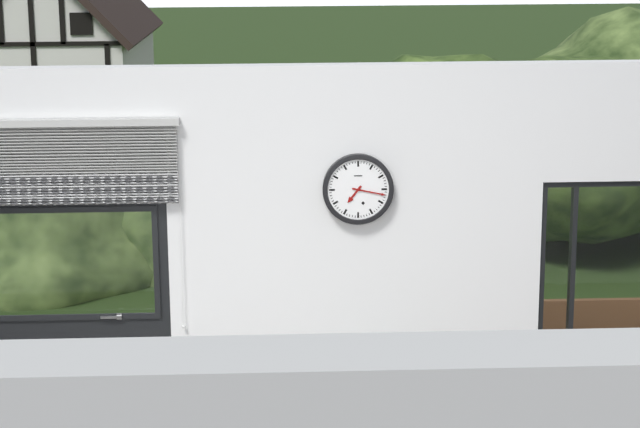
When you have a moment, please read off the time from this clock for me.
7:17
